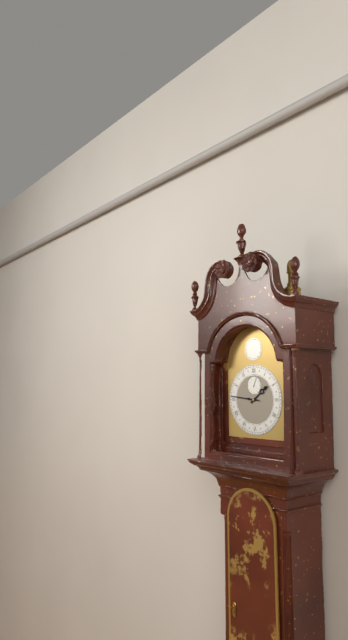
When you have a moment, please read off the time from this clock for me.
1:46
